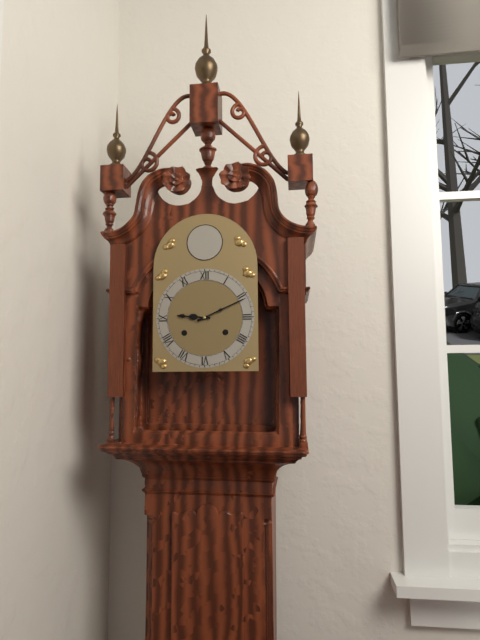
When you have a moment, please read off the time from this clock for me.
9:11
